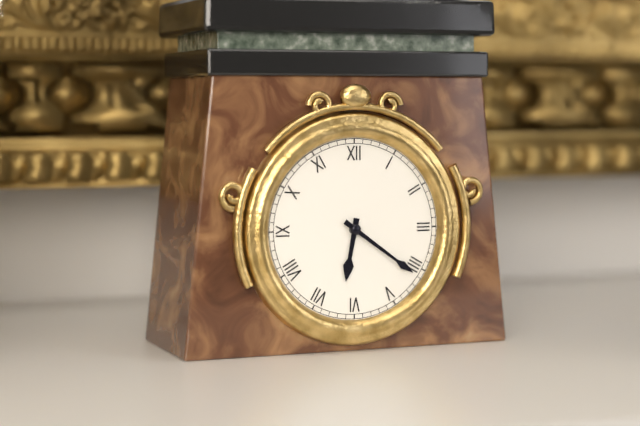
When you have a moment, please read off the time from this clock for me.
6:21
